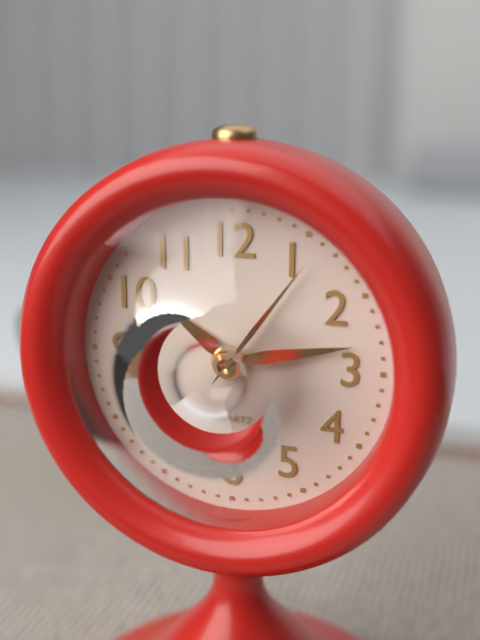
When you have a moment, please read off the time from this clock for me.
10:13:06
